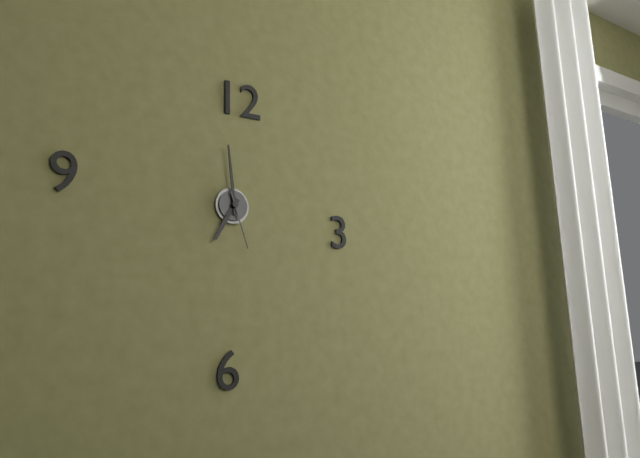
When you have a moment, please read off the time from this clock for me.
6:59:27
